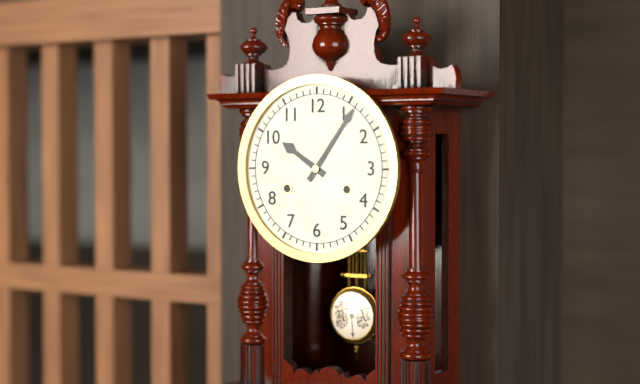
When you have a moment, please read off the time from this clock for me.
10:06
